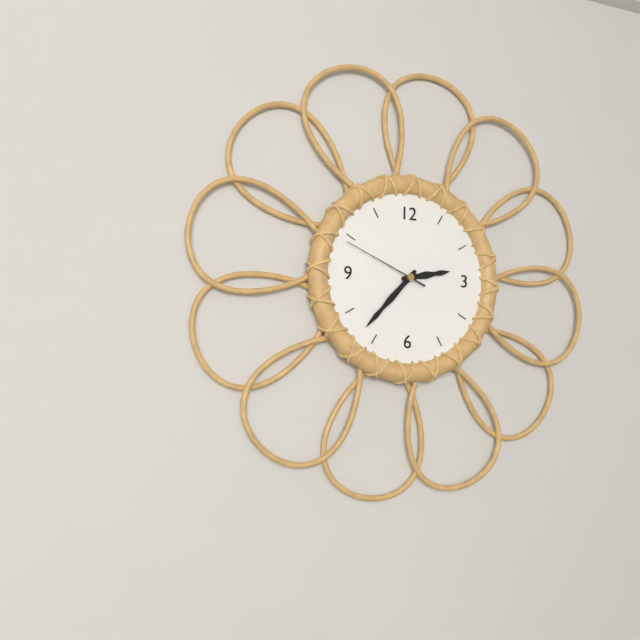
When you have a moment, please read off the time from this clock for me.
2:37:49
